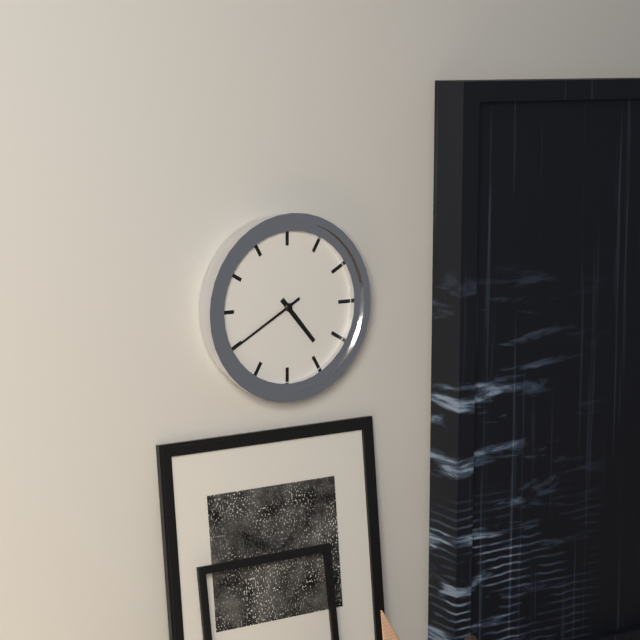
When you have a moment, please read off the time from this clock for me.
4:40
